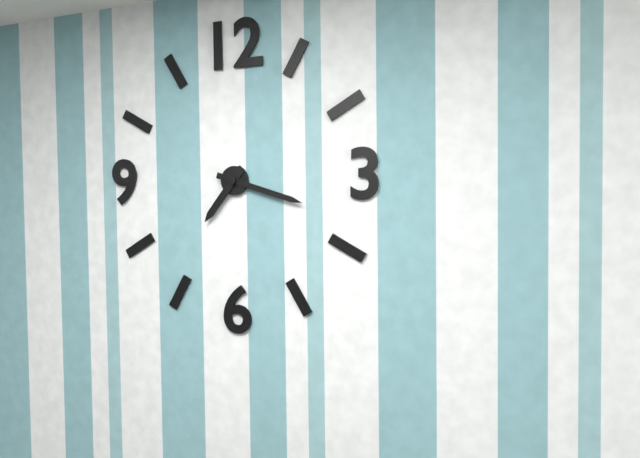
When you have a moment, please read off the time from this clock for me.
7:18
